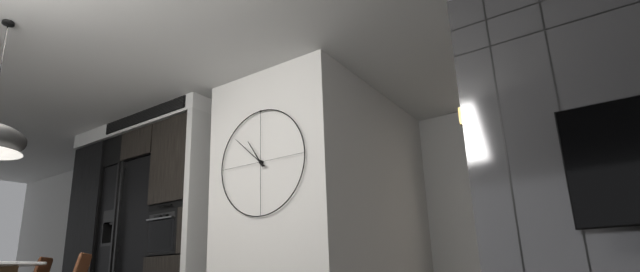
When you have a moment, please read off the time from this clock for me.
10:52
